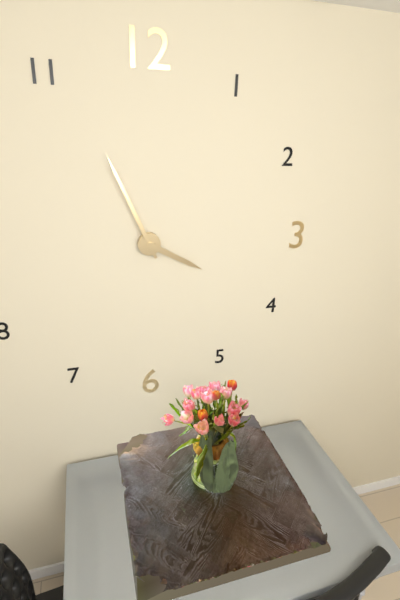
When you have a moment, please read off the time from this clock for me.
3:56
